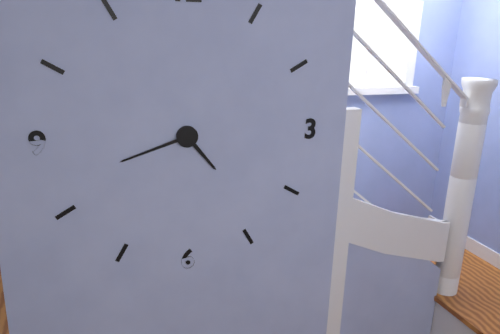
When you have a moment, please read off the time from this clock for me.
4:42
